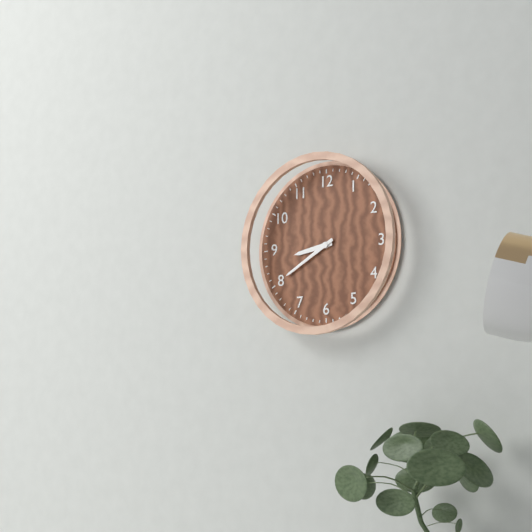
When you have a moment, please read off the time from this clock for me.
8:40
